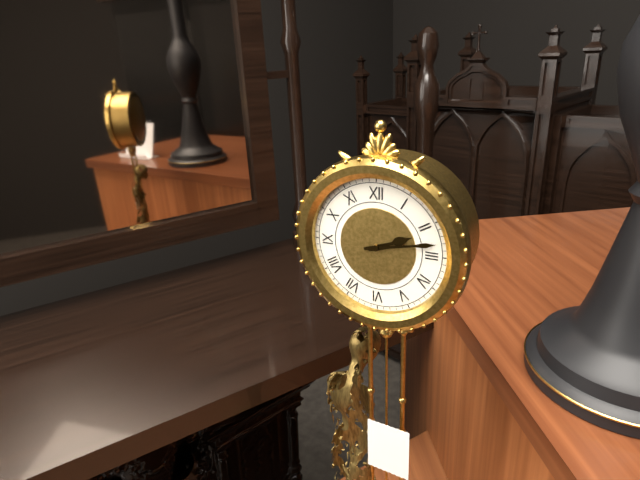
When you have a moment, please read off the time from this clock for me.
2:13
